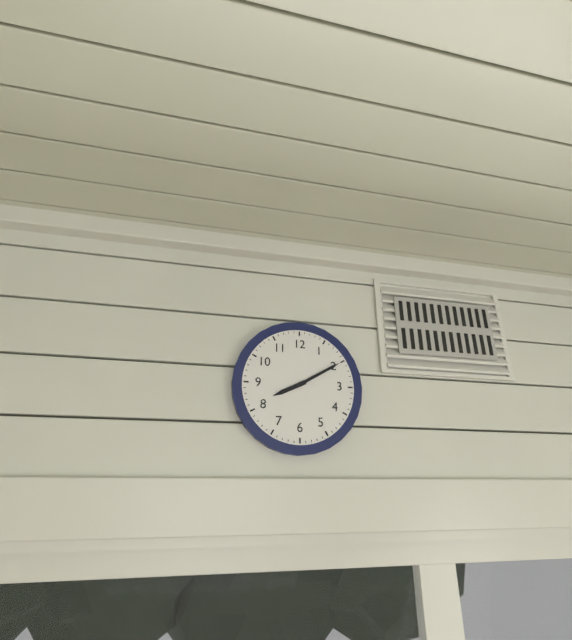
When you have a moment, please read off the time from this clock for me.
8:10
